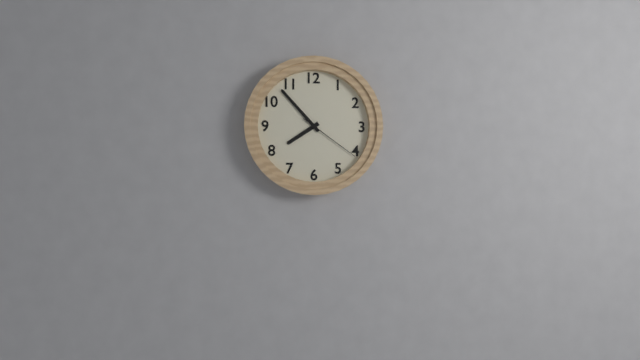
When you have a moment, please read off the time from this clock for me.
7:53:21
